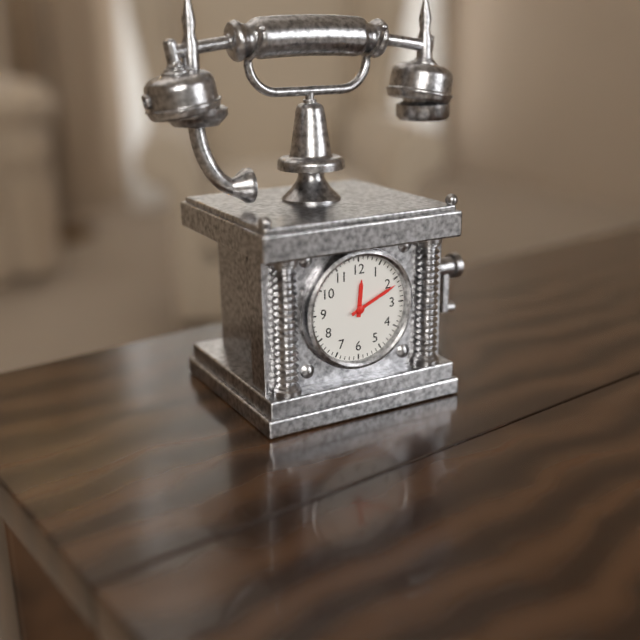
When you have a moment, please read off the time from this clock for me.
12:11
